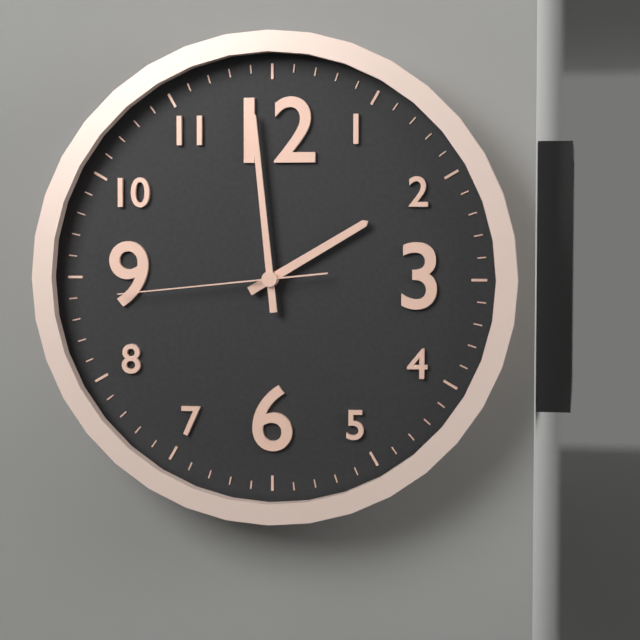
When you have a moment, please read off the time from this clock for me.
1:59:44
